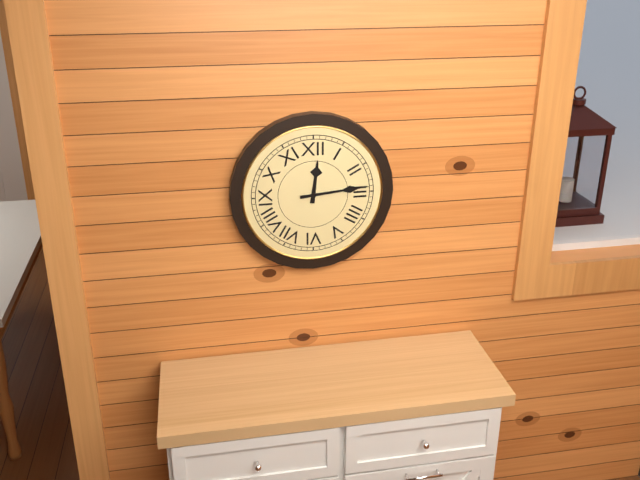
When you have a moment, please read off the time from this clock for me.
12:14
